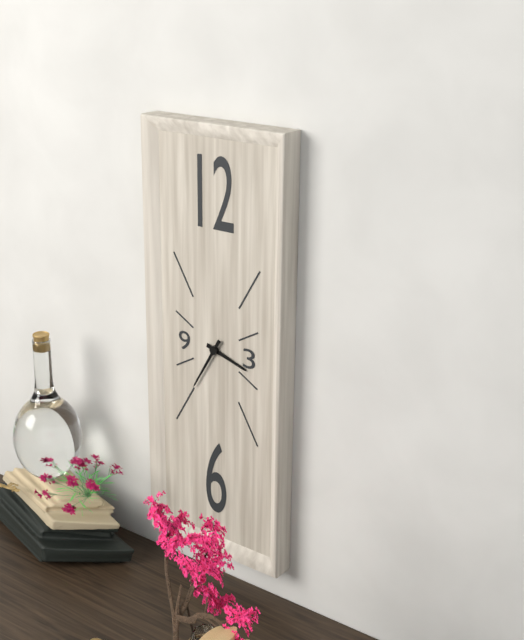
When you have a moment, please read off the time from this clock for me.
3:35
